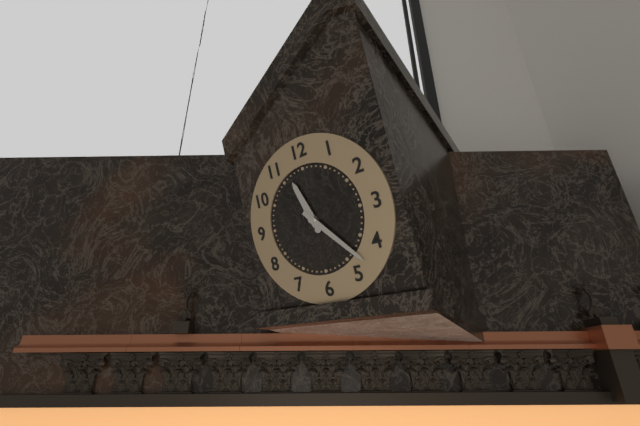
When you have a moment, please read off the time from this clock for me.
11:23
